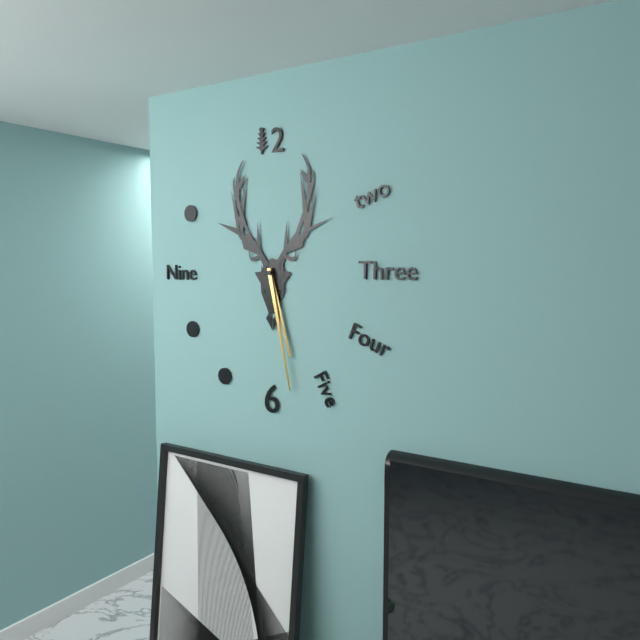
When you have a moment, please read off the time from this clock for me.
5:28
